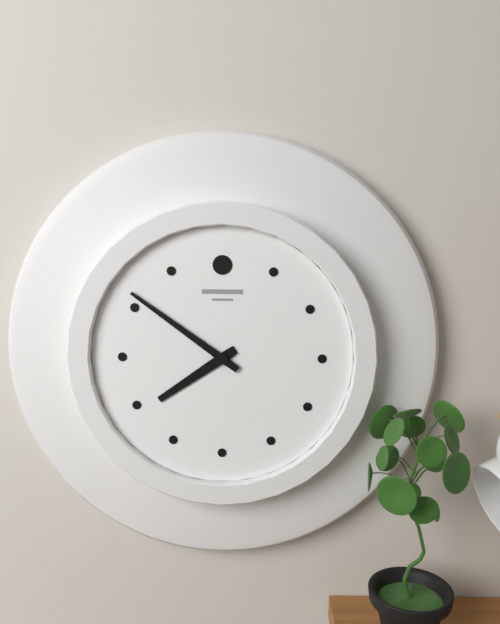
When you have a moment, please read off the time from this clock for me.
7:51
